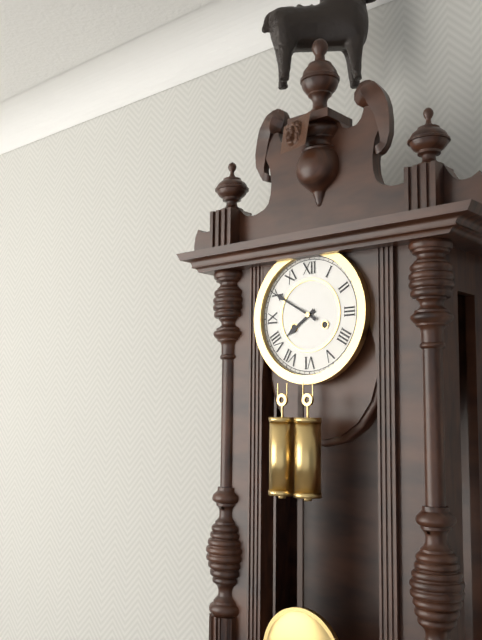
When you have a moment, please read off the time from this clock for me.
7:50
